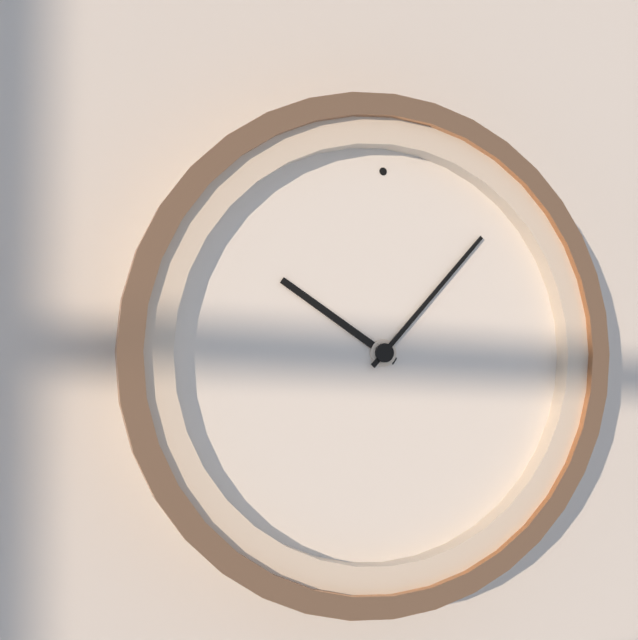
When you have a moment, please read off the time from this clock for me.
10:07
